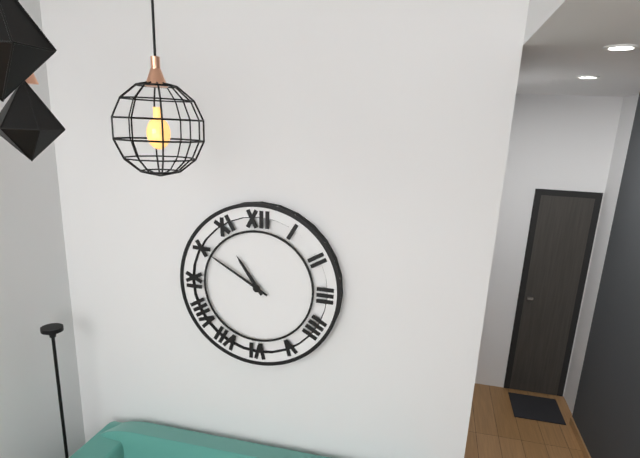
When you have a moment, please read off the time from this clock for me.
10:50
